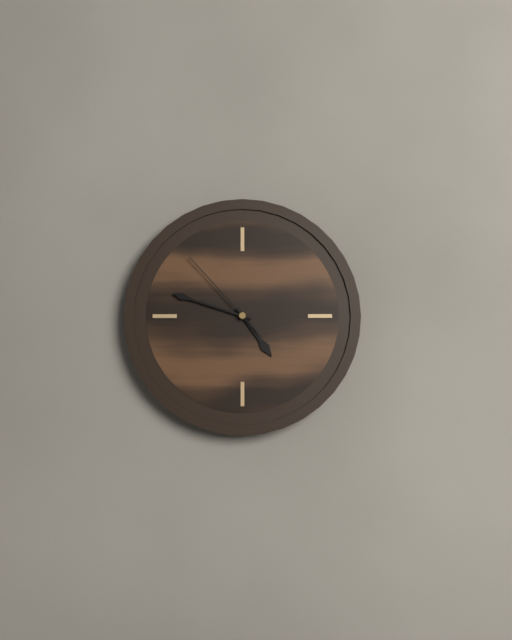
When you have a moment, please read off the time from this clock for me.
4:48:53
